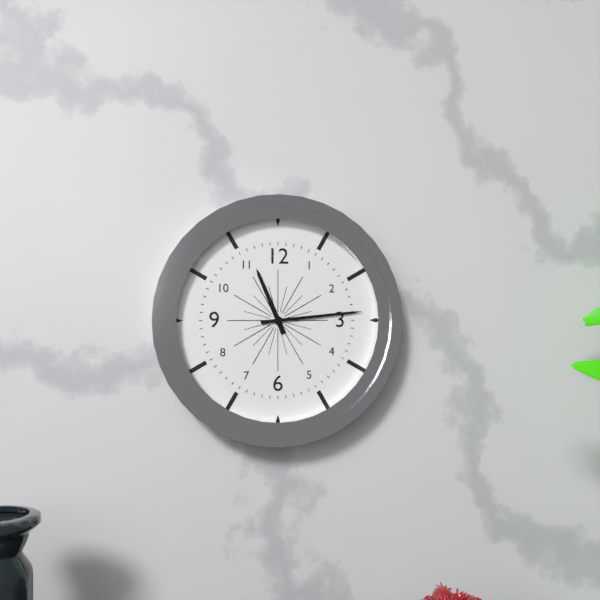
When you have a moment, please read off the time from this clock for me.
11:14
